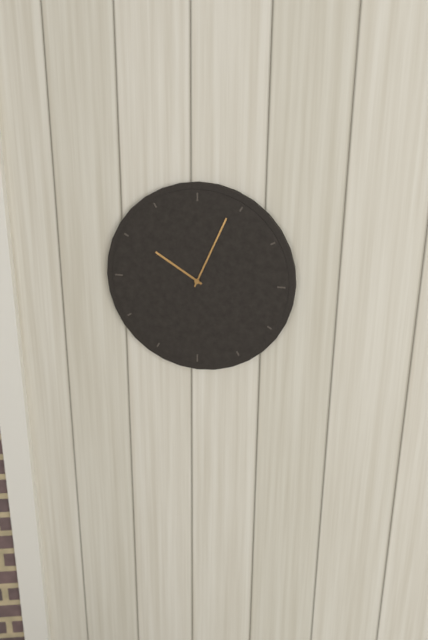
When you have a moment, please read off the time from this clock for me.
10:04
